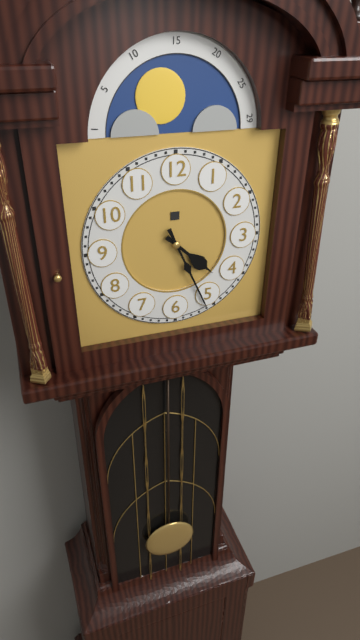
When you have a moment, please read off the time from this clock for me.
4:26
